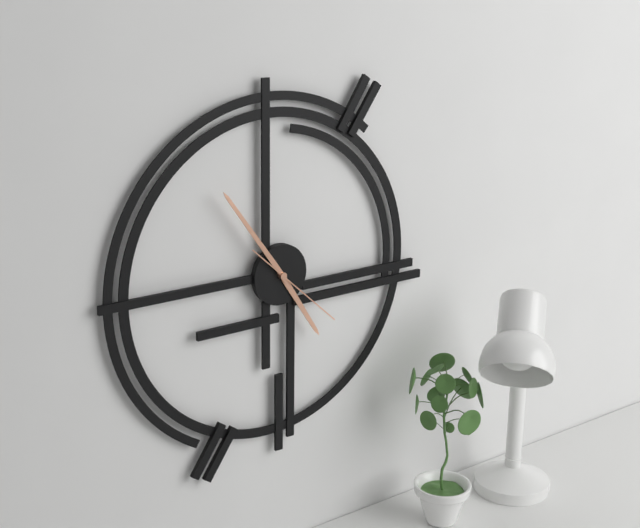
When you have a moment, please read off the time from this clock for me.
4:54:22
